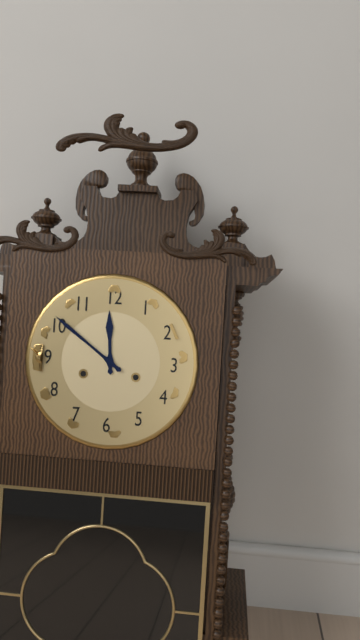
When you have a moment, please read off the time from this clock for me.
11:51
